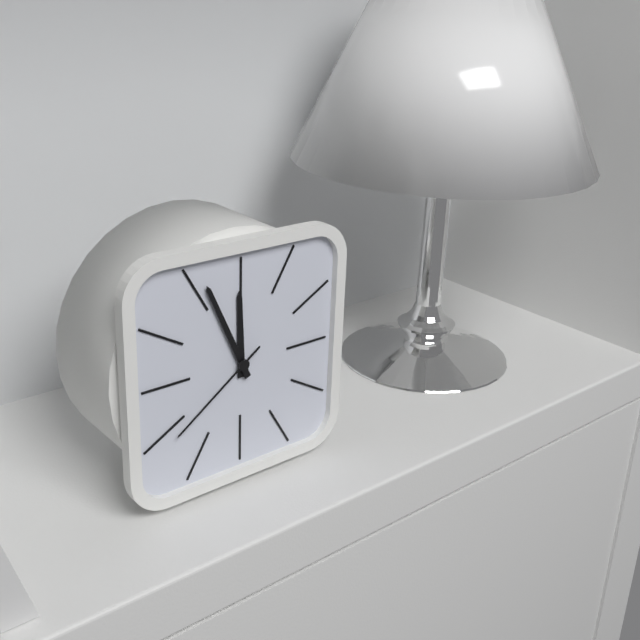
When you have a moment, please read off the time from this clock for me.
11:56:39
